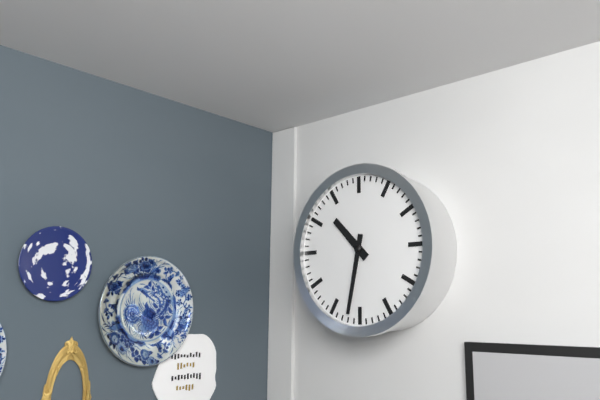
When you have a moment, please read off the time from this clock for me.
10:32
